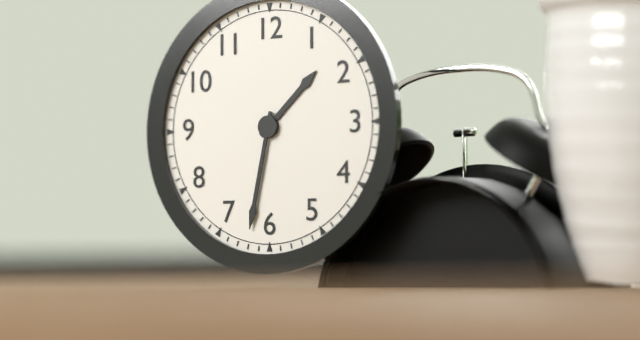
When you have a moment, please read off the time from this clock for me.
1:32
